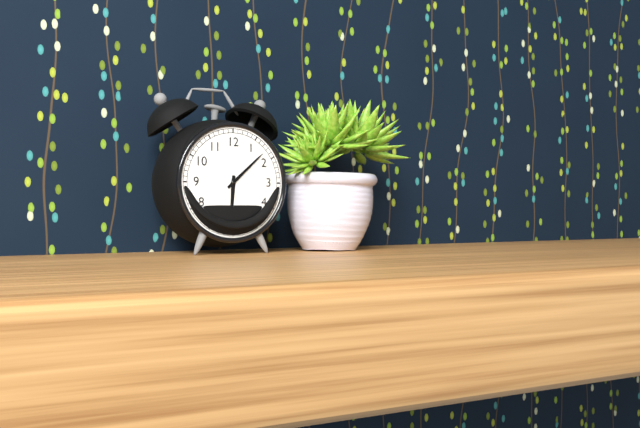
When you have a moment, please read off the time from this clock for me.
6:08
